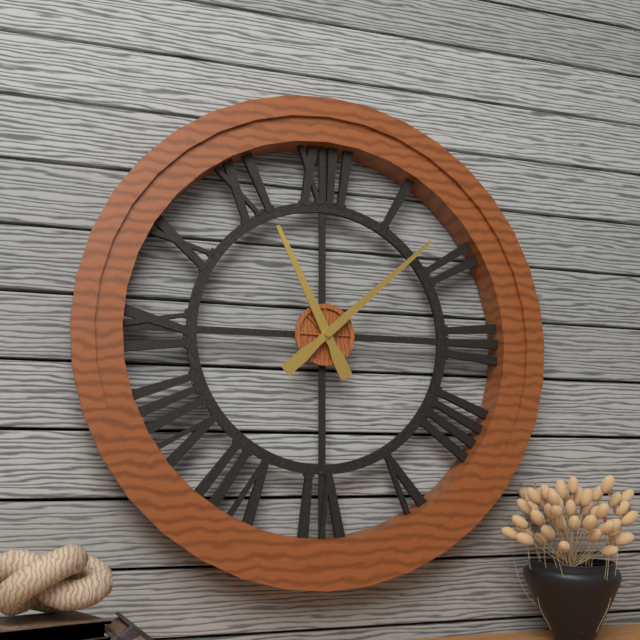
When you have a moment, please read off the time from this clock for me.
11:08
